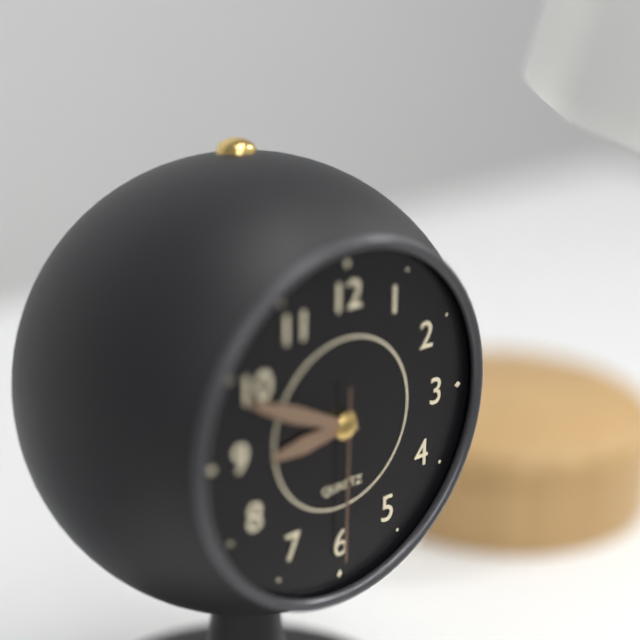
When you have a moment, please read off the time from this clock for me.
8:49:30
